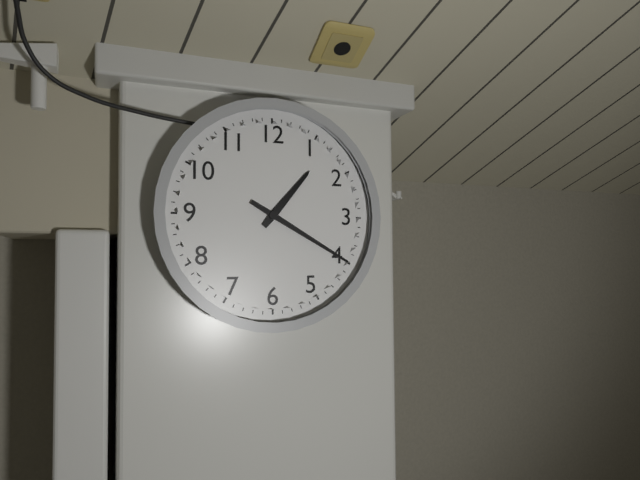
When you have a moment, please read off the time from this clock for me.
1:20
